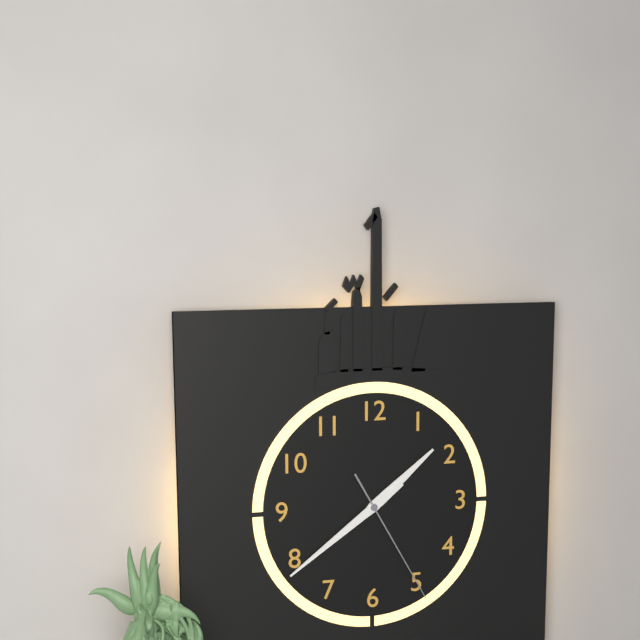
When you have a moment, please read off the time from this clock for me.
1:39:25
